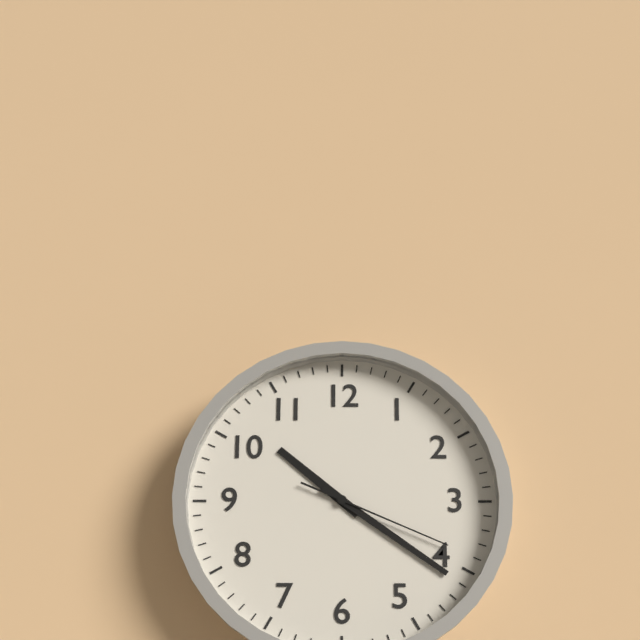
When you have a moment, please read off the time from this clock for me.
10:21:19
